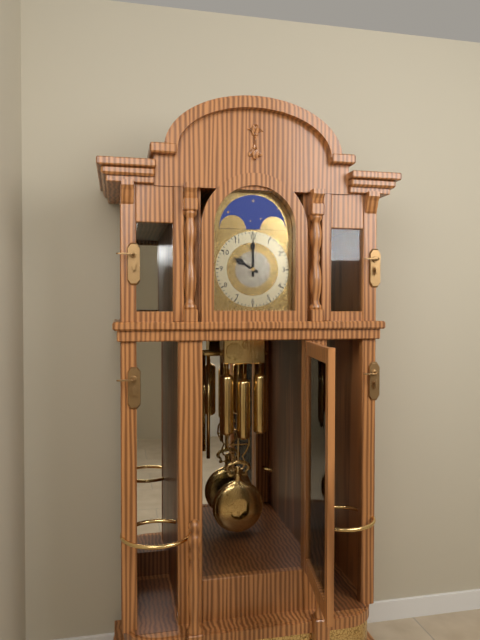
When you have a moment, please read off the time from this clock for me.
10:00
